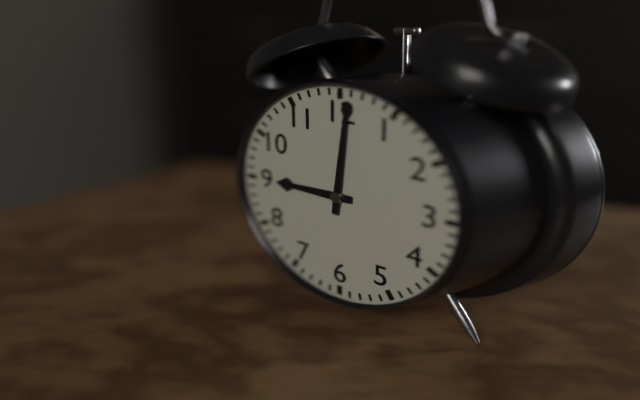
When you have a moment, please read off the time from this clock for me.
9:01
